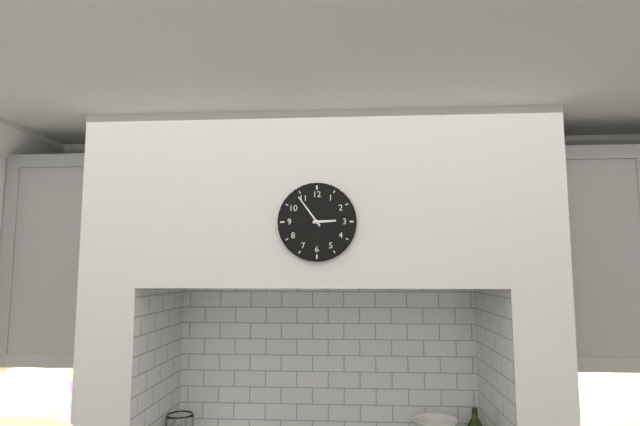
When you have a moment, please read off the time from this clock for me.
2:54
